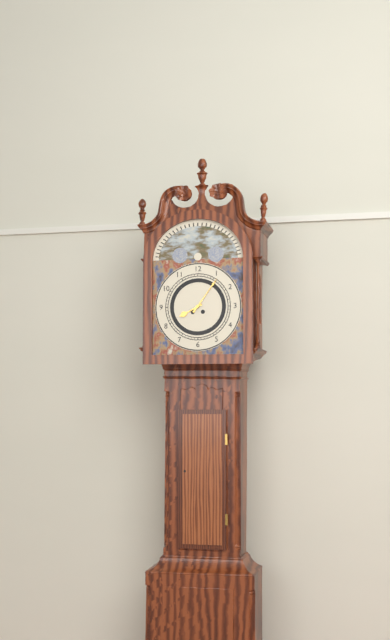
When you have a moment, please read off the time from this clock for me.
8:06
